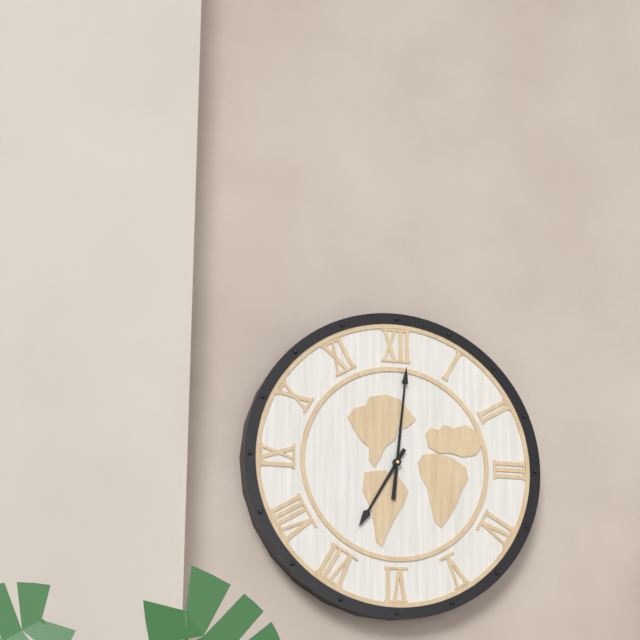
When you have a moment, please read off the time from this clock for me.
7:01
